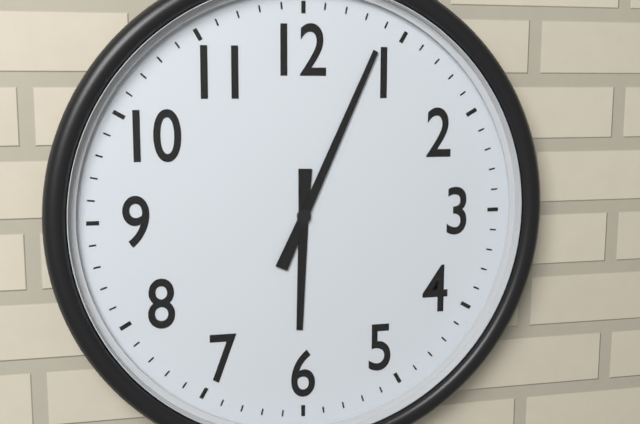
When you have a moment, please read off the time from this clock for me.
6:04
